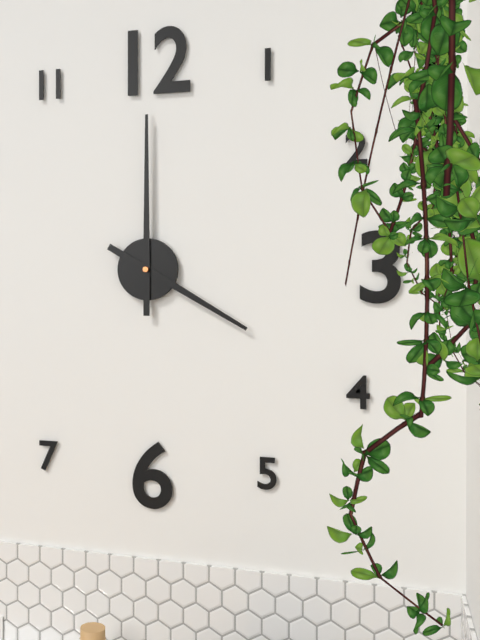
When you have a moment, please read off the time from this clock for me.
4:00
